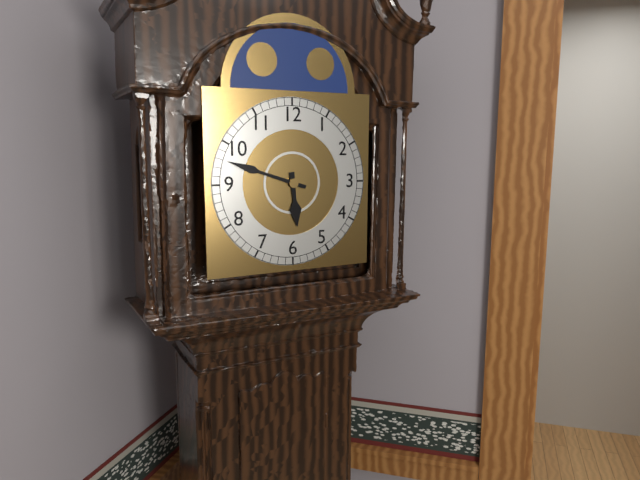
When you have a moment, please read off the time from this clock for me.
5:48
